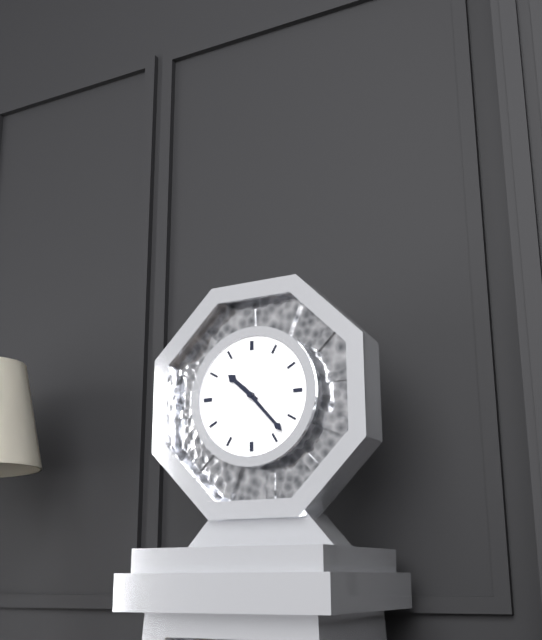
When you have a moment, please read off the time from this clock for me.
10:23
